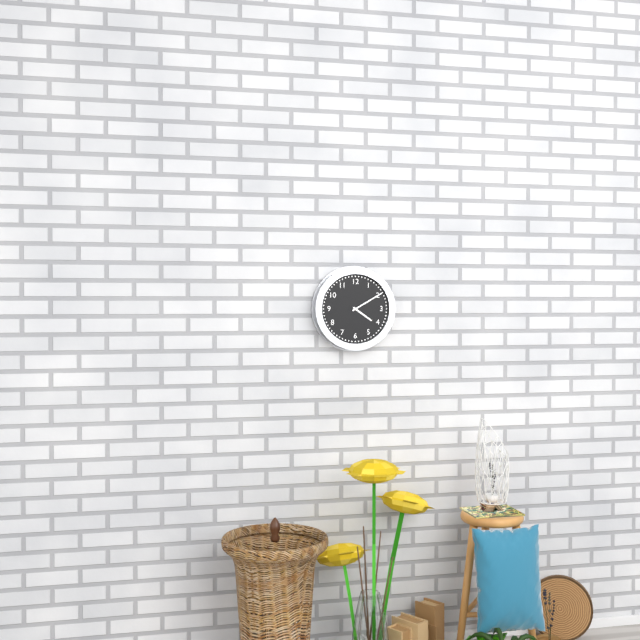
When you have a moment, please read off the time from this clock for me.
4:10
